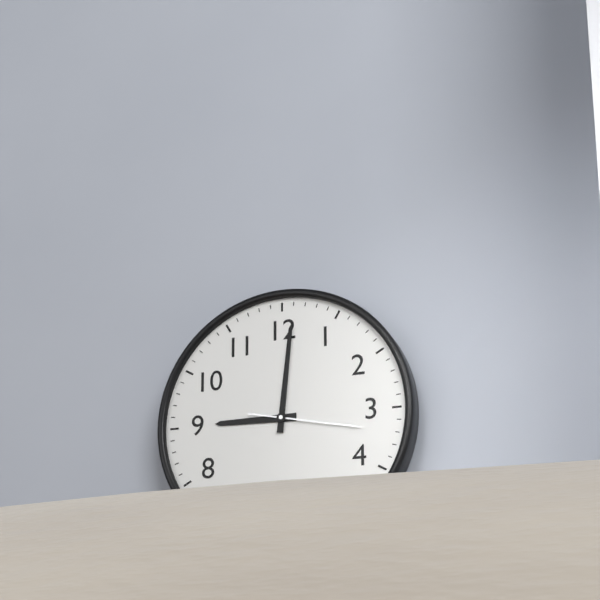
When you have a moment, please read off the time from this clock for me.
9:01:17
